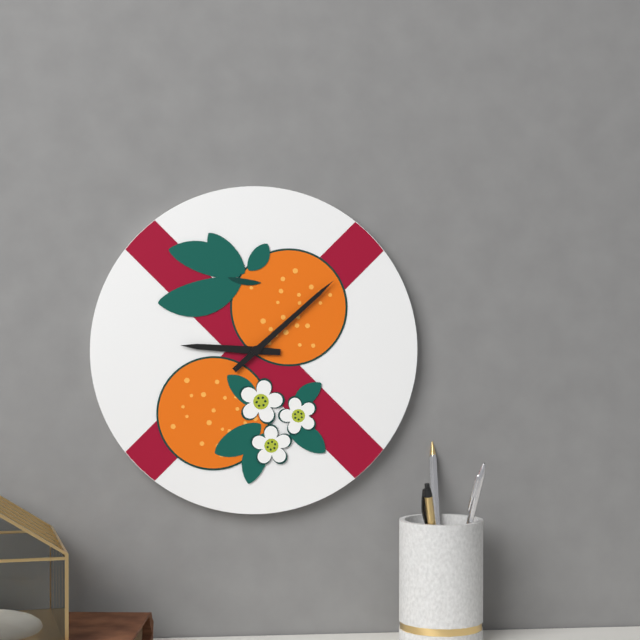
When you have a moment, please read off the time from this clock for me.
9:08
